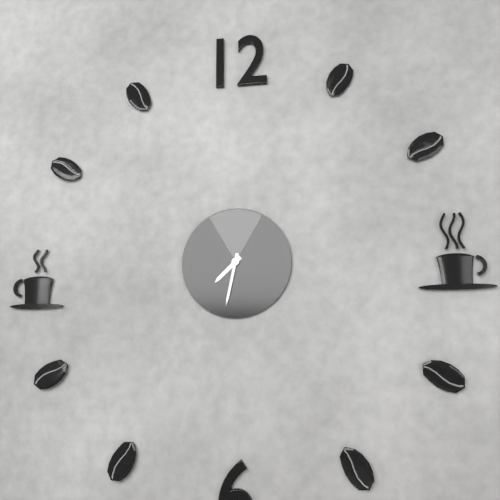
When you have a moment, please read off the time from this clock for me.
7:32
